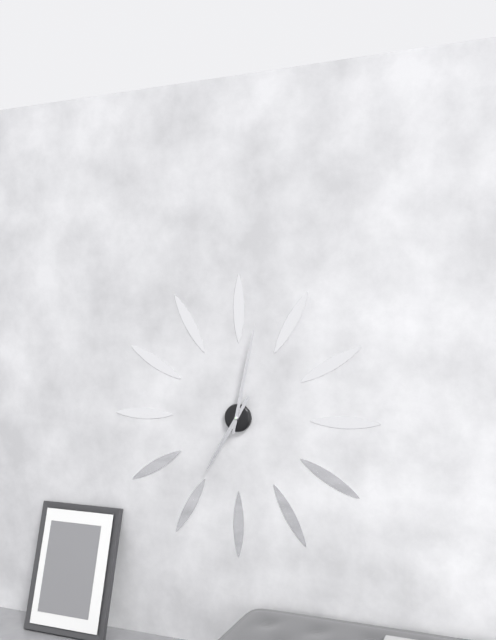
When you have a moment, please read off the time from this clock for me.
7:02
